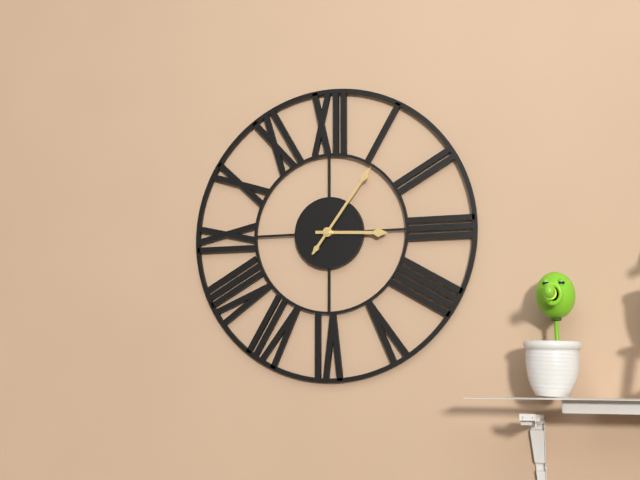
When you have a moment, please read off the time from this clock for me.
3:06
